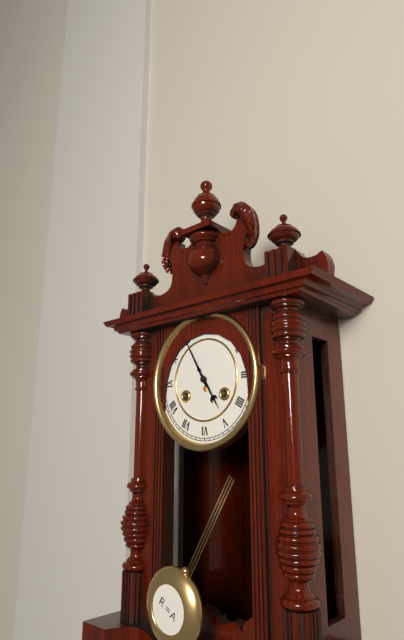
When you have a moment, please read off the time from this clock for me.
4:55
